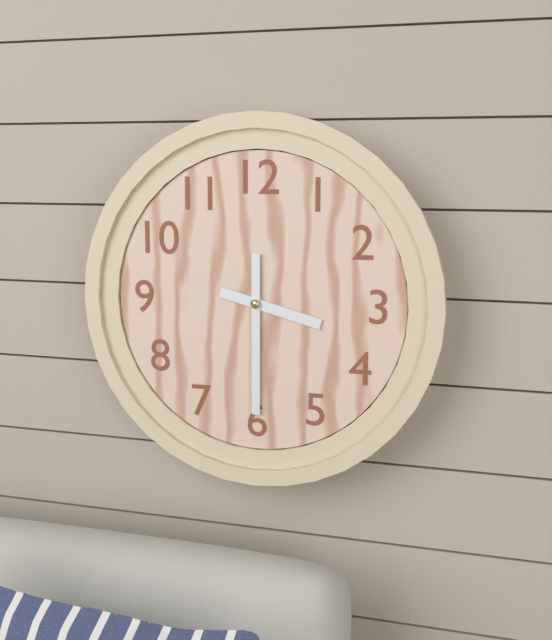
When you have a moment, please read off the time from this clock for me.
3:30
